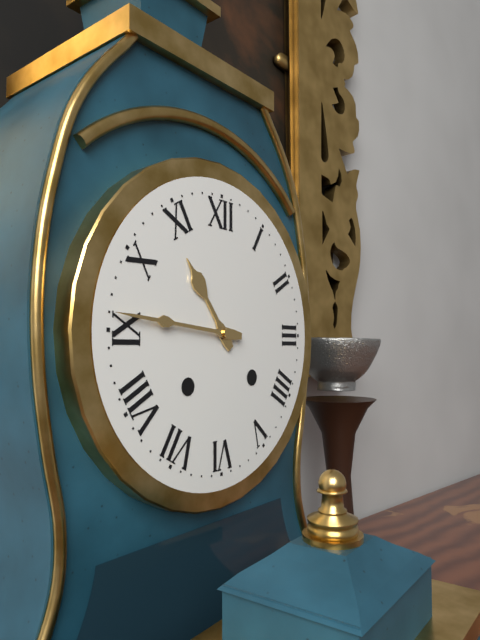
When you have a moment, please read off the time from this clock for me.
10:46
